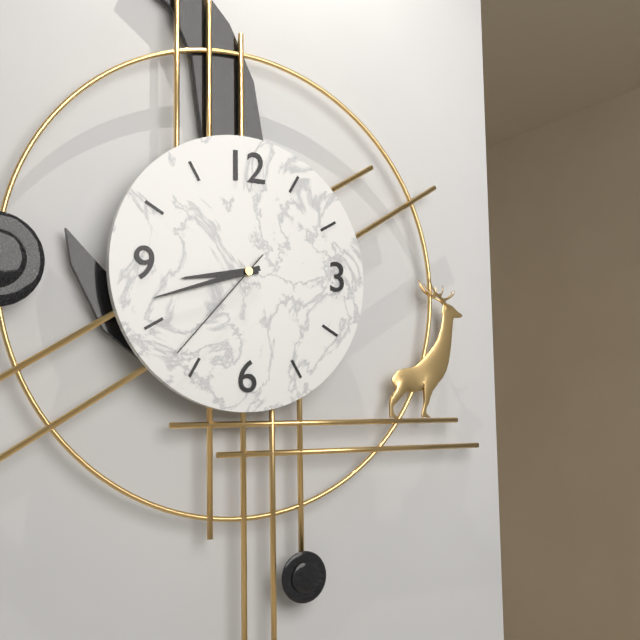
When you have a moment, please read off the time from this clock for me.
8:42:37
